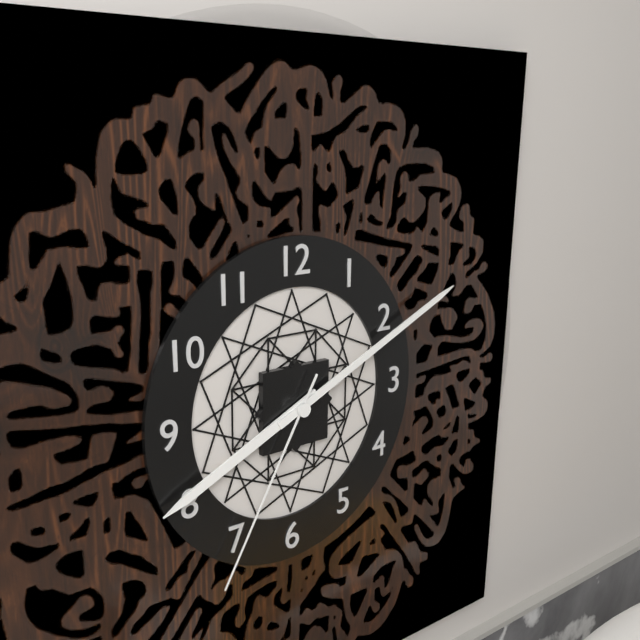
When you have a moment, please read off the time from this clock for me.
8:11:35
